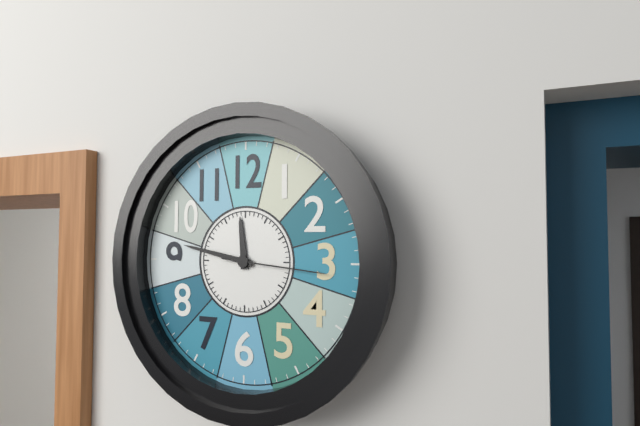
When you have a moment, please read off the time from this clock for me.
11:47:16
